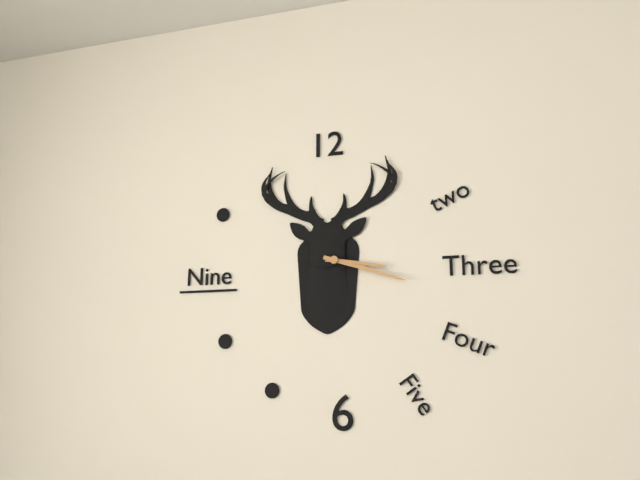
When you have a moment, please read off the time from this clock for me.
3:18
